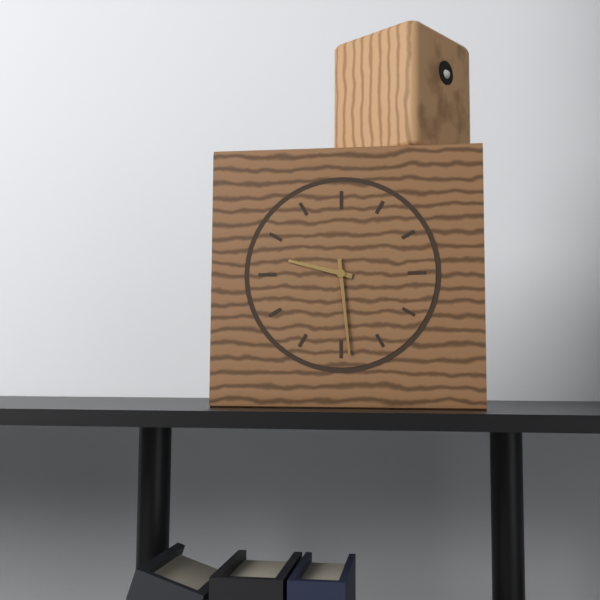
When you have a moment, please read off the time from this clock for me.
9:29
